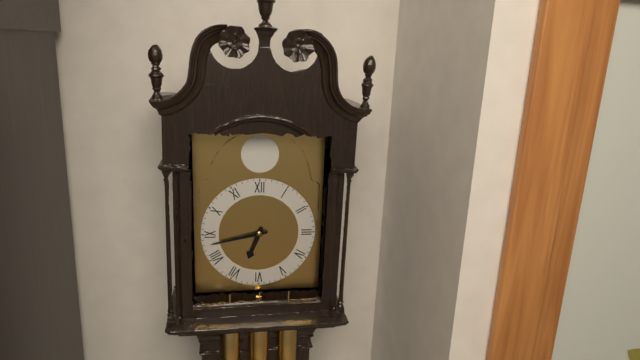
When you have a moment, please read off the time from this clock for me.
6:43
